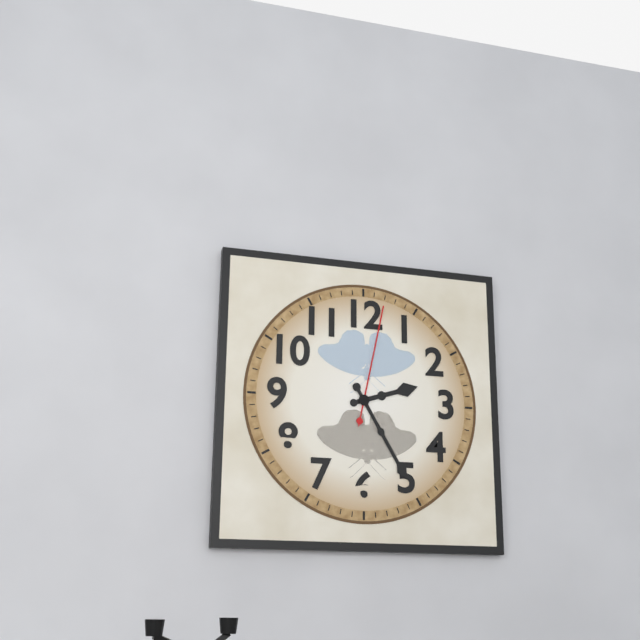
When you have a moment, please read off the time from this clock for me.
2:25:02
